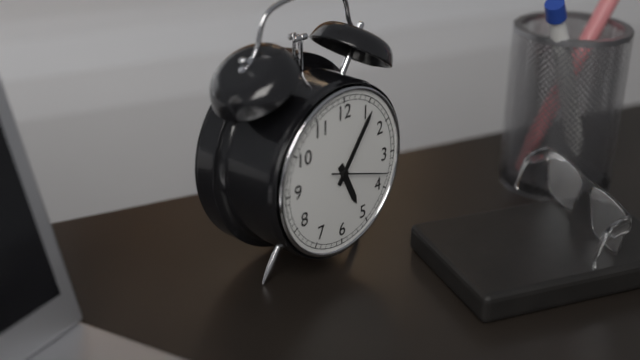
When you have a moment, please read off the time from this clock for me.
5:06:18
